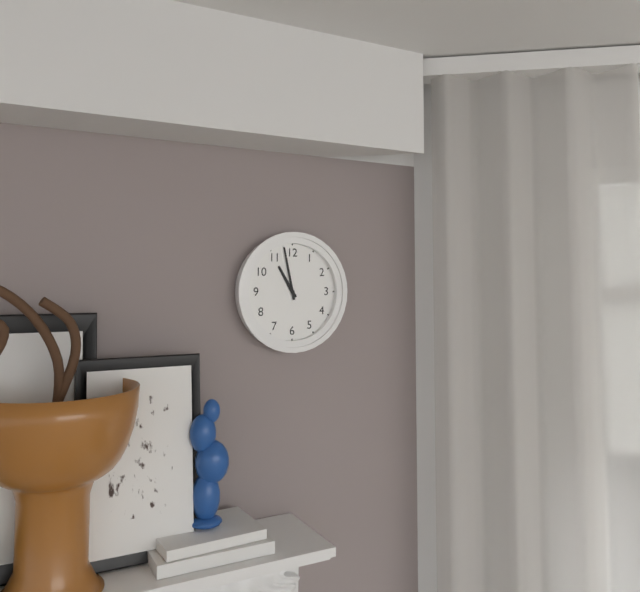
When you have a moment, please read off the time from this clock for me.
10:58
